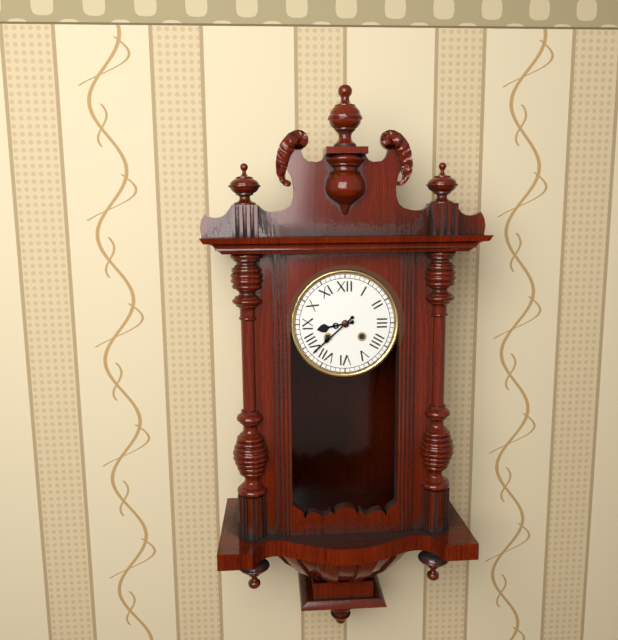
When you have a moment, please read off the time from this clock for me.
8:38
